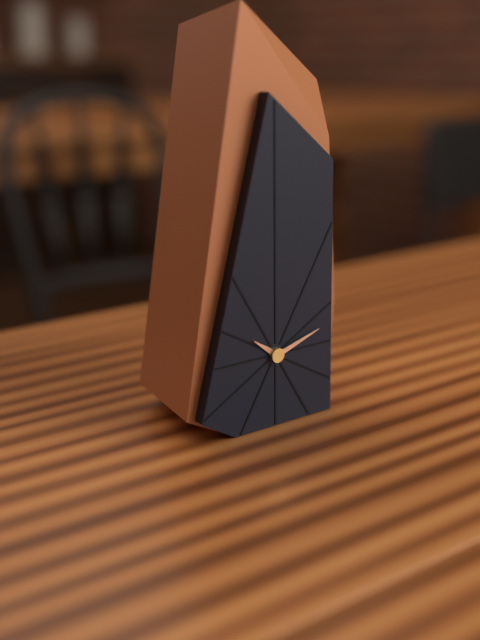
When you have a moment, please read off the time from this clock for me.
10:12
